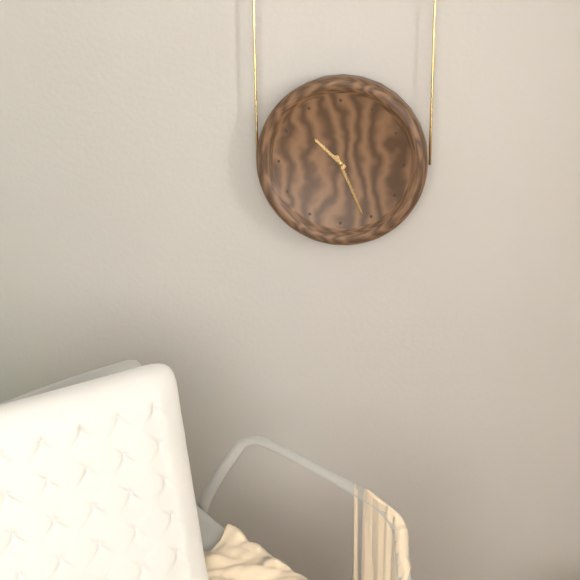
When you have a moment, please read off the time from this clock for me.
10:26
